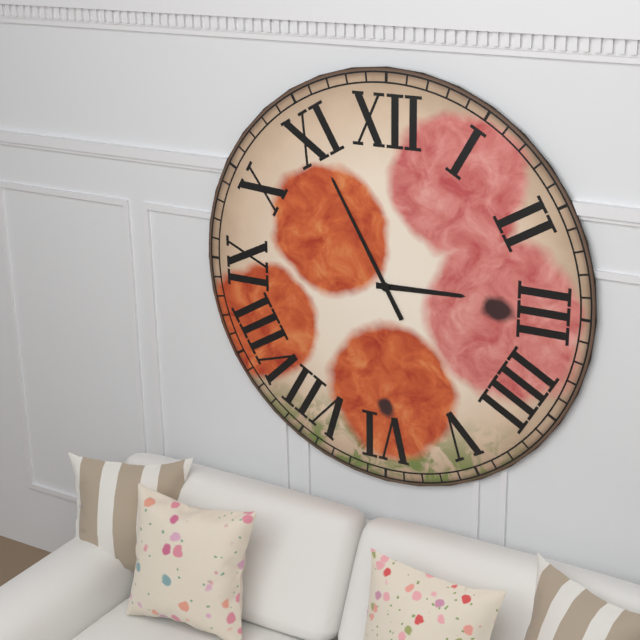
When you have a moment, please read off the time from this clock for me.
2:55
